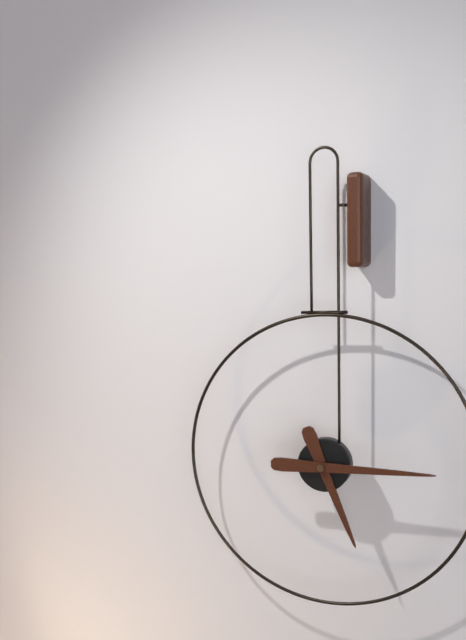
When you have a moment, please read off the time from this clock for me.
5:15
